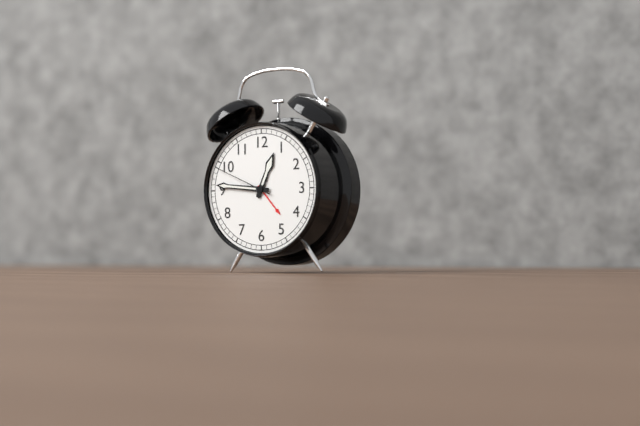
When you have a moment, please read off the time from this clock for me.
12:46:49
